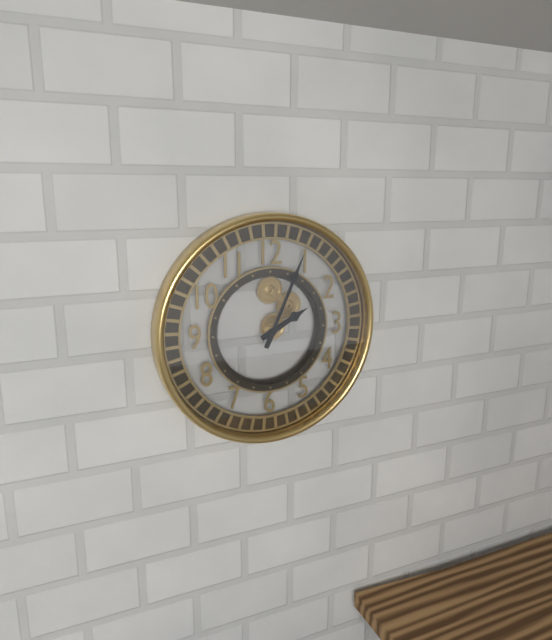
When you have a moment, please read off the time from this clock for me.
2:04
